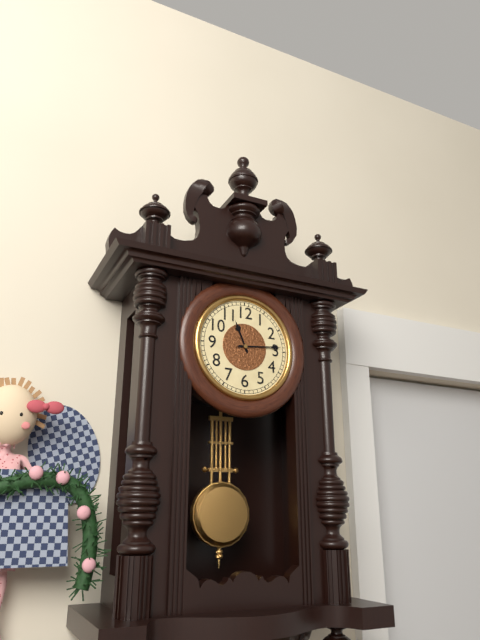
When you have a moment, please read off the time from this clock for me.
11:14
